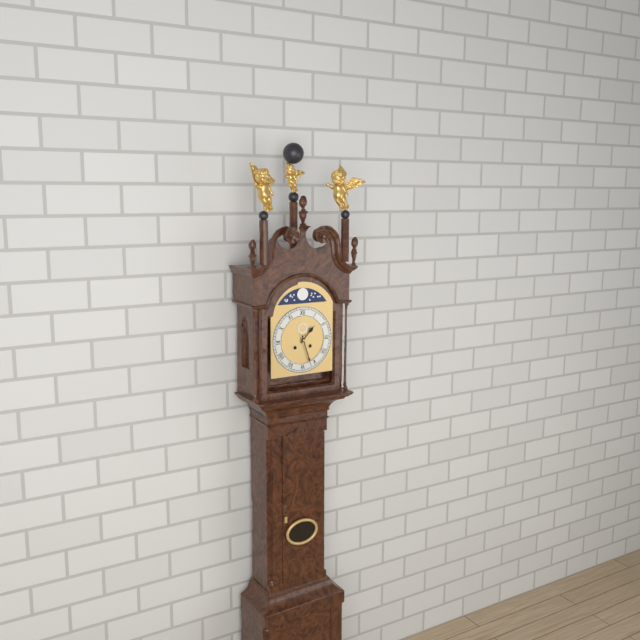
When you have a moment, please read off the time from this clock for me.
1:27
